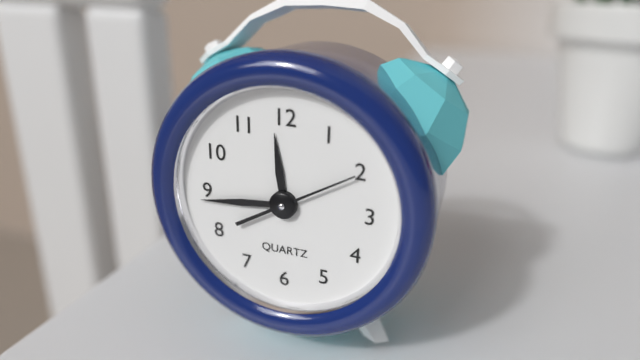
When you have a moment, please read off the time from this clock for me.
11:44:10
